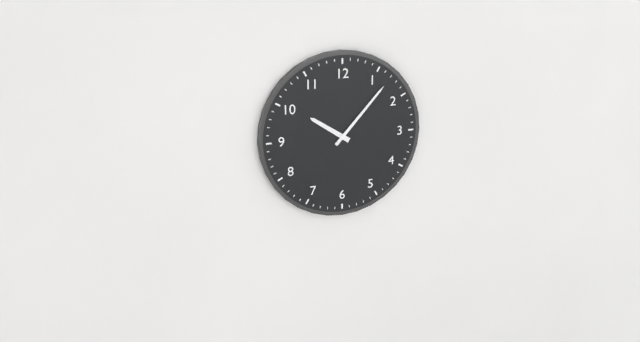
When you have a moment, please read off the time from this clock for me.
10:07
